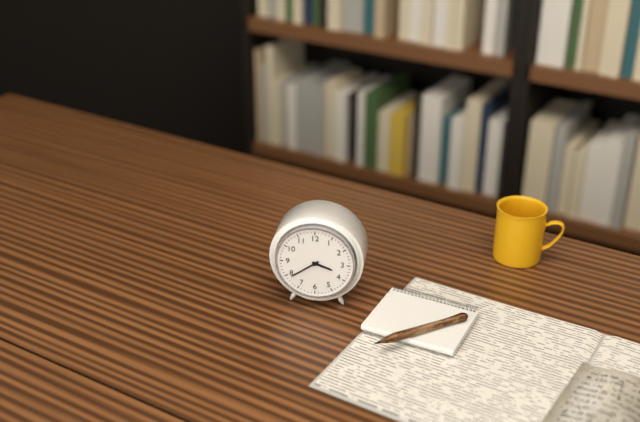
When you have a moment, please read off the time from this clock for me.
3:39
